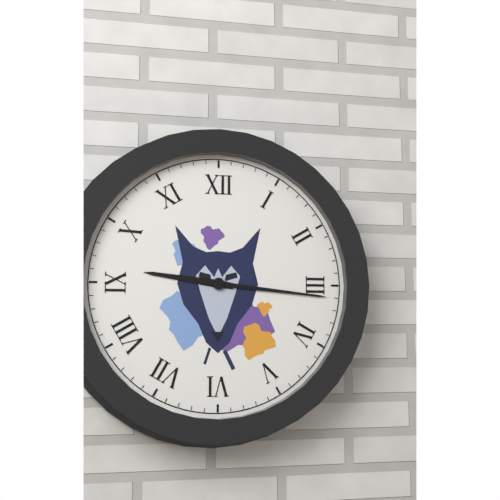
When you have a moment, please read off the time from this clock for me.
9:16
